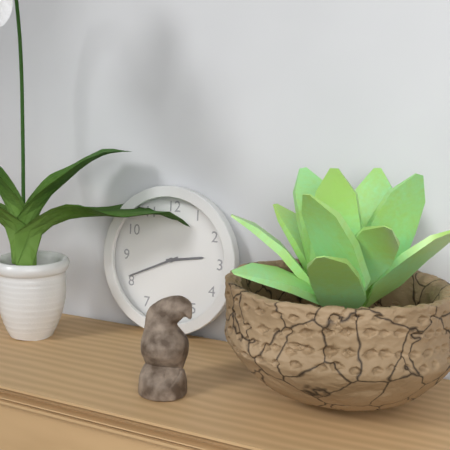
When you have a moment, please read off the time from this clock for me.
2:41
